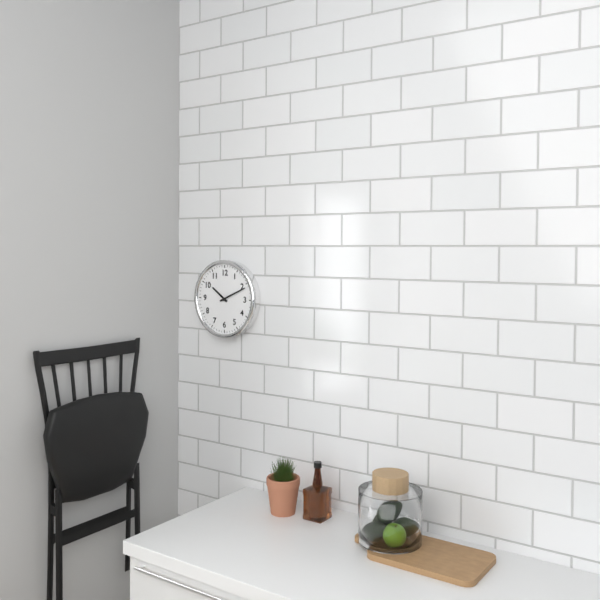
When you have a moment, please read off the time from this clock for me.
10:11
